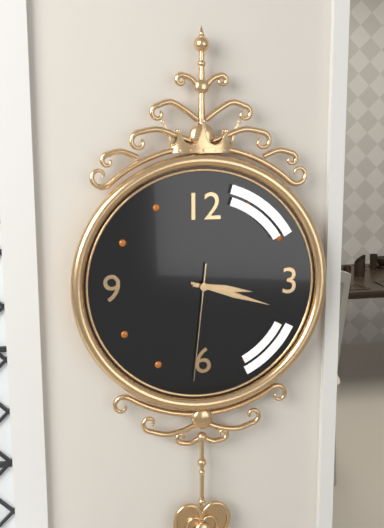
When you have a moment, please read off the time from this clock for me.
3:18:31
